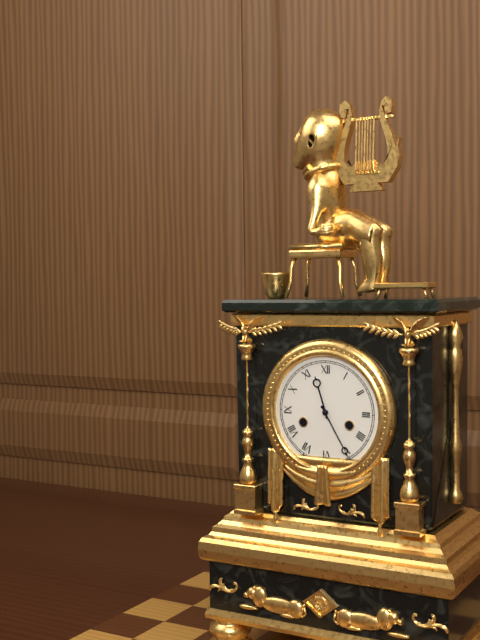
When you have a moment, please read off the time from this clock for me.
11:25
